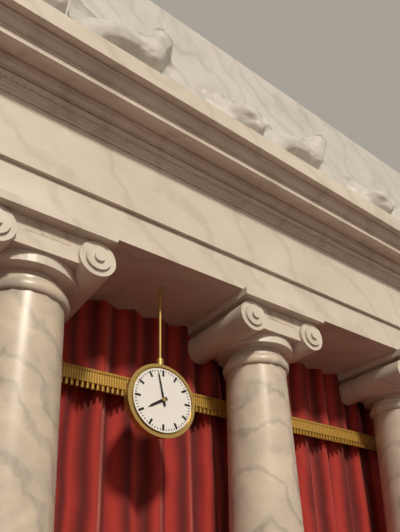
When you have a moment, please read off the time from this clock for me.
7:58
